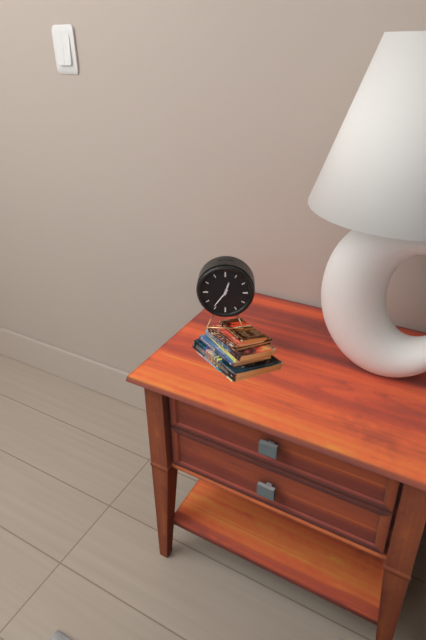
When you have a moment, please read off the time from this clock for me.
12:36
